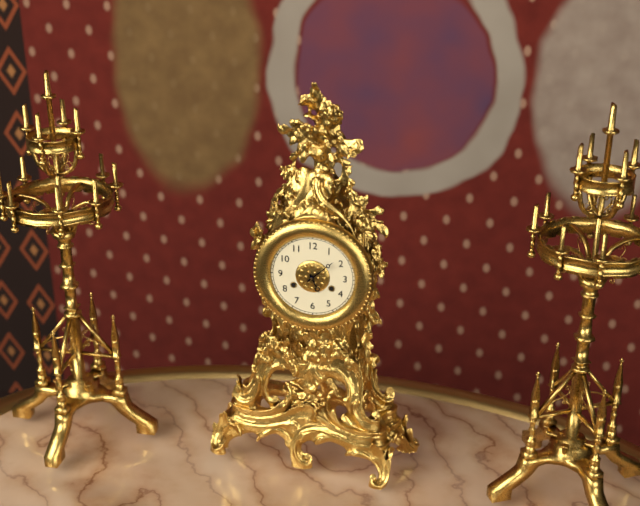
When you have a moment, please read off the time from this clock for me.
5:08
